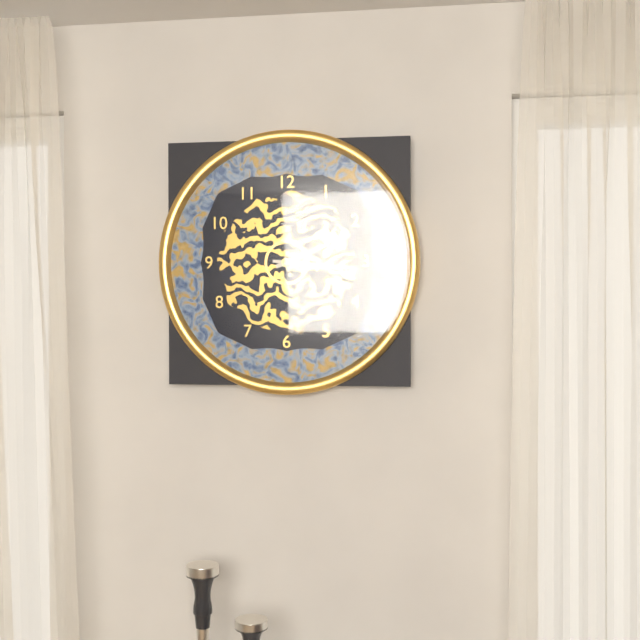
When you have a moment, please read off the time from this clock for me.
2:16
